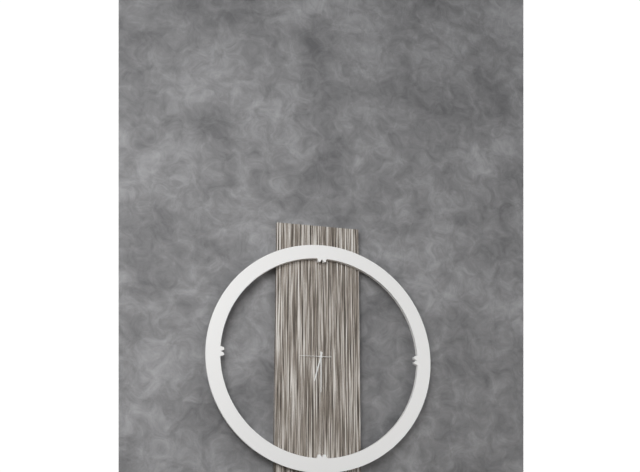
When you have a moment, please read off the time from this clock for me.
6:30
